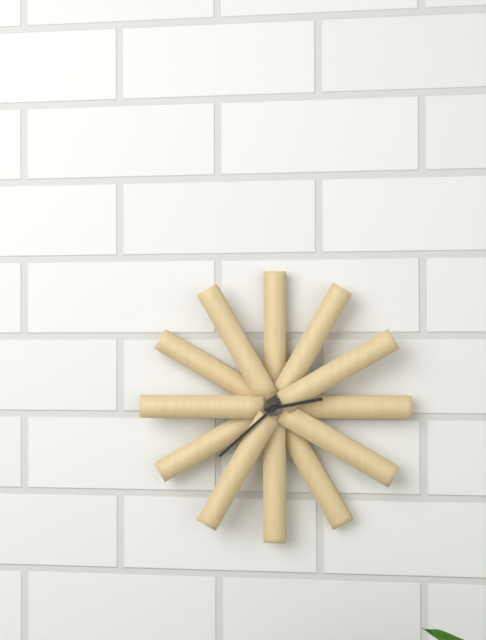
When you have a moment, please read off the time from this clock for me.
2:38
